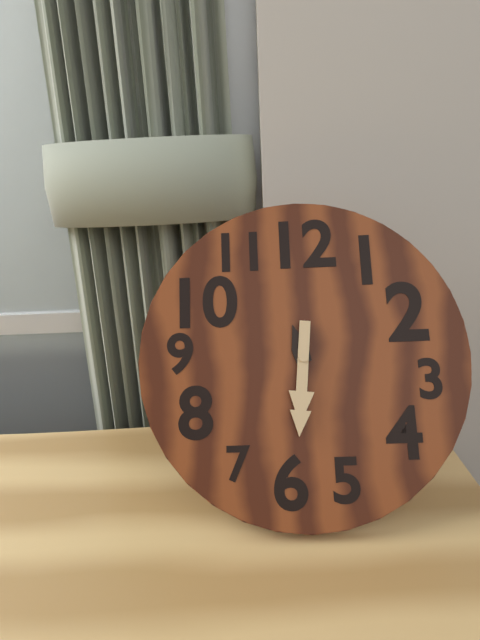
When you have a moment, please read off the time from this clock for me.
11:31
